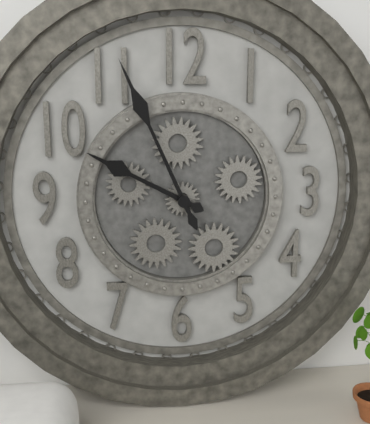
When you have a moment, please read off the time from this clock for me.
9:56
